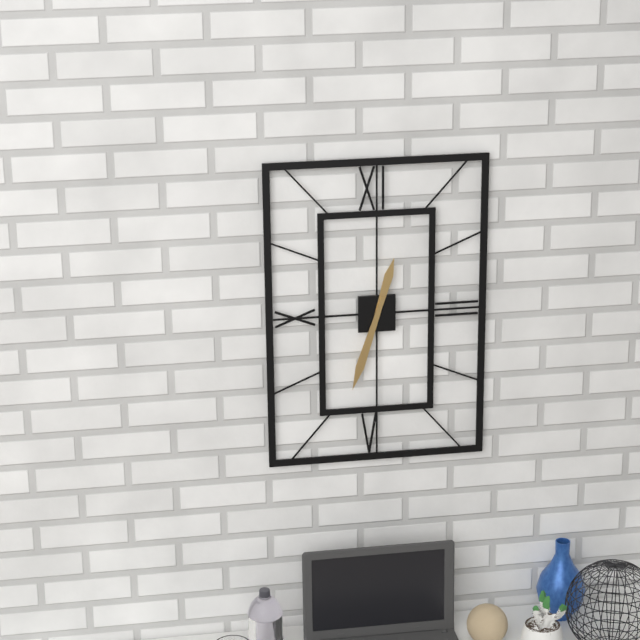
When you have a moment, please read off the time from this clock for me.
12:33
